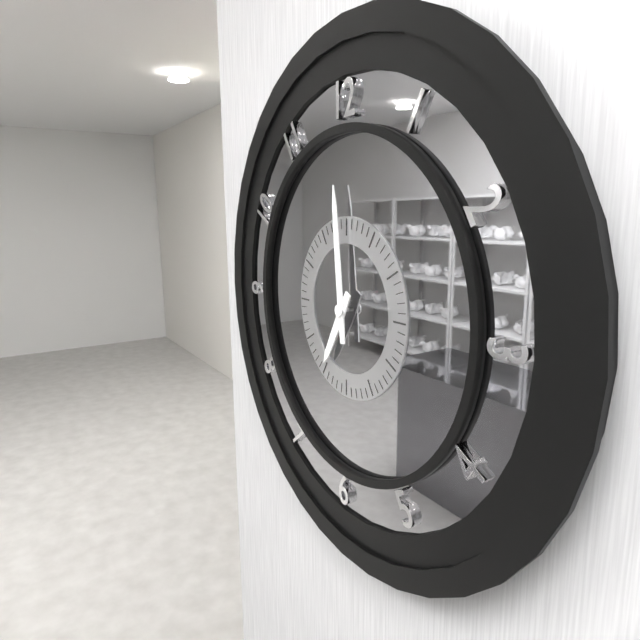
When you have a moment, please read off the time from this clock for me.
6:59
